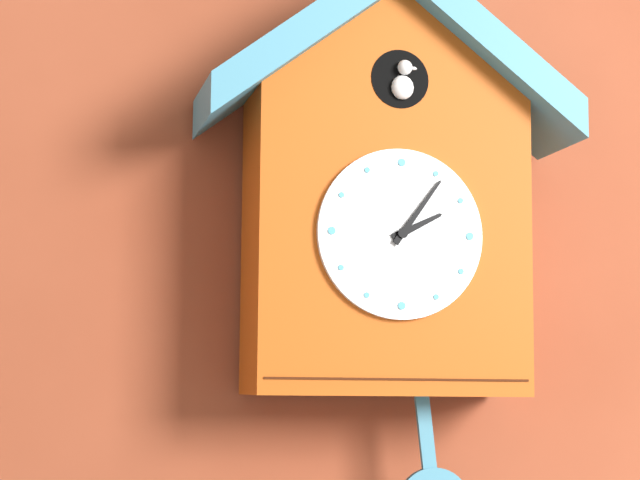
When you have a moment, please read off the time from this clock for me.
2:06
